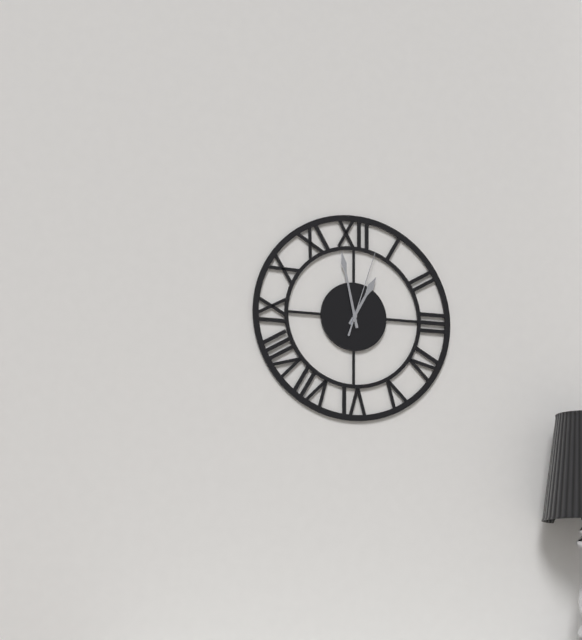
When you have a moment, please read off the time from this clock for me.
12:58:03
